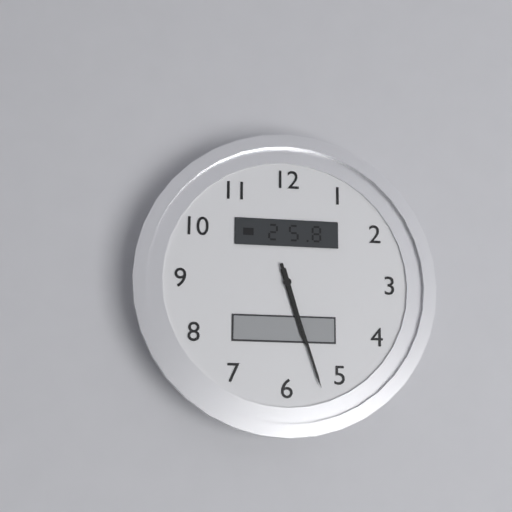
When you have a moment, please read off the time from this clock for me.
5:27
